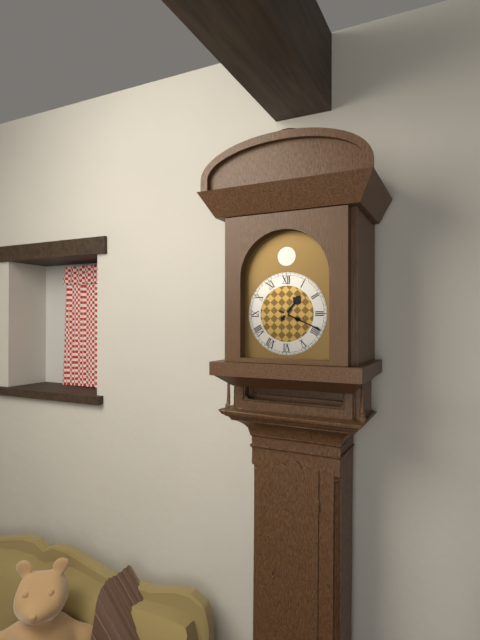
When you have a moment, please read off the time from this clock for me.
1:19
